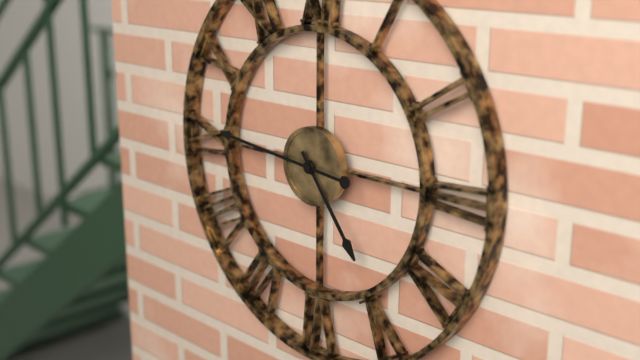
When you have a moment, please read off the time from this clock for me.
4:46
